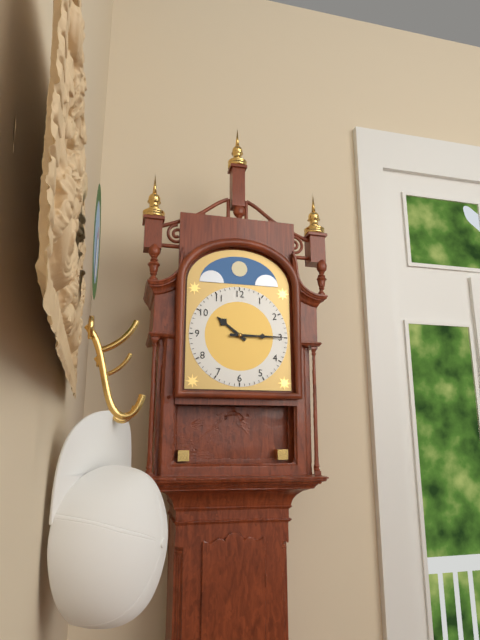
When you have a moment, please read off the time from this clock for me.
10:15
